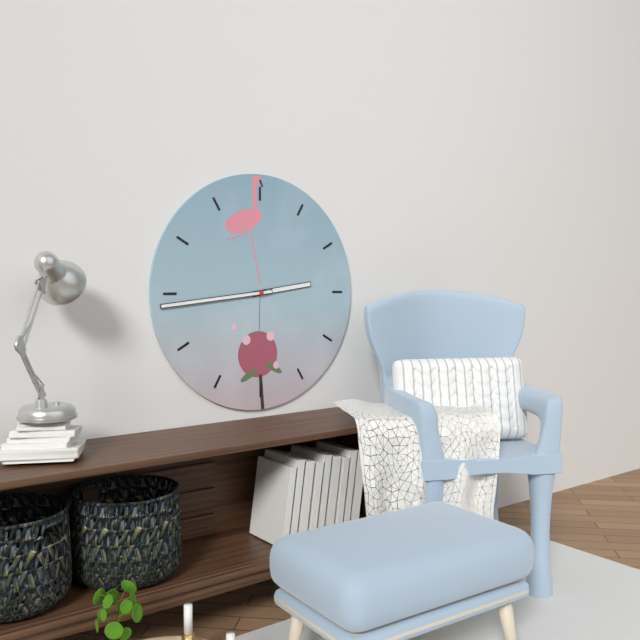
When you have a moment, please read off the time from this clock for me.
2:44
